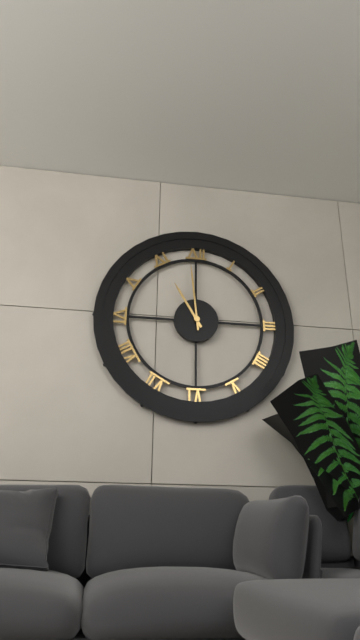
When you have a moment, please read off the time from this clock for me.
10:59
